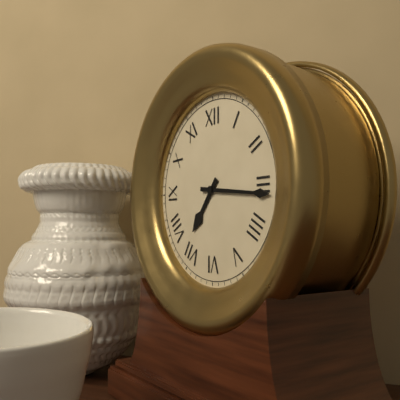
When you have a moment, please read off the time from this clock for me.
7:16
